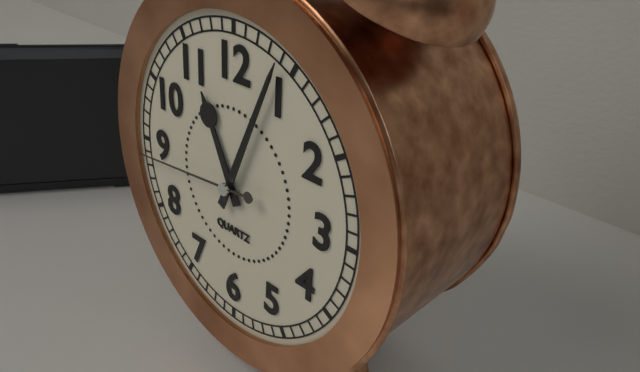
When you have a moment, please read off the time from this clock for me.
11:04:44
